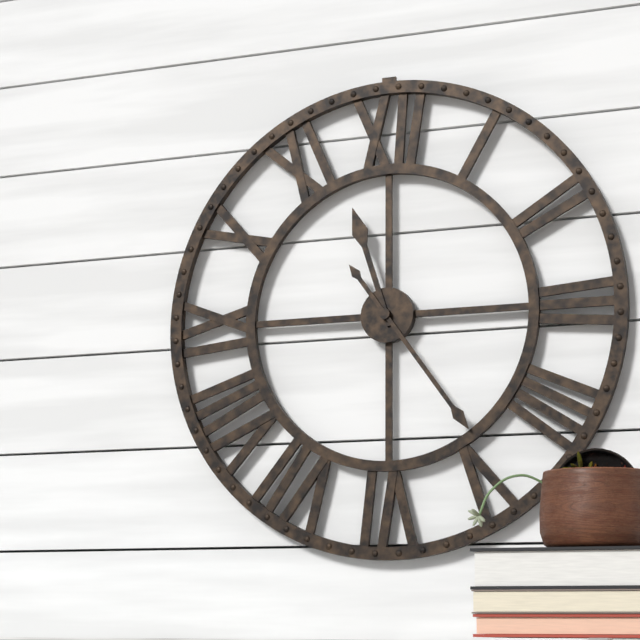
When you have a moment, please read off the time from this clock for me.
11:24
